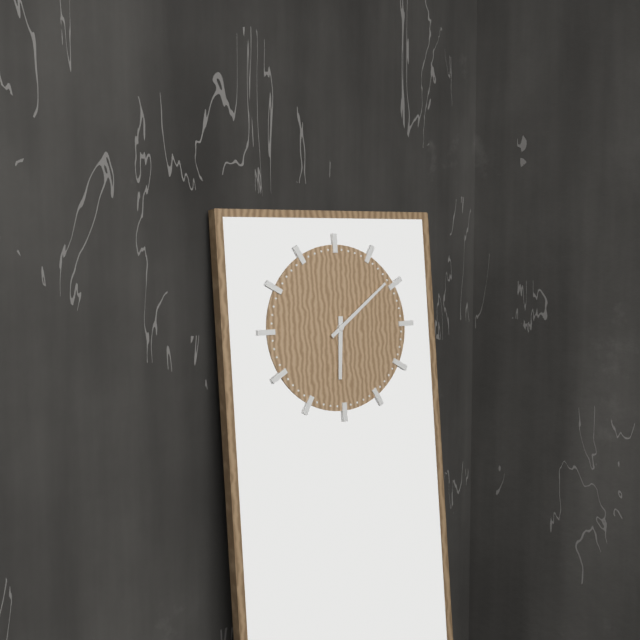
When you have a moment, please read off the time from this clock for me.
6:09
